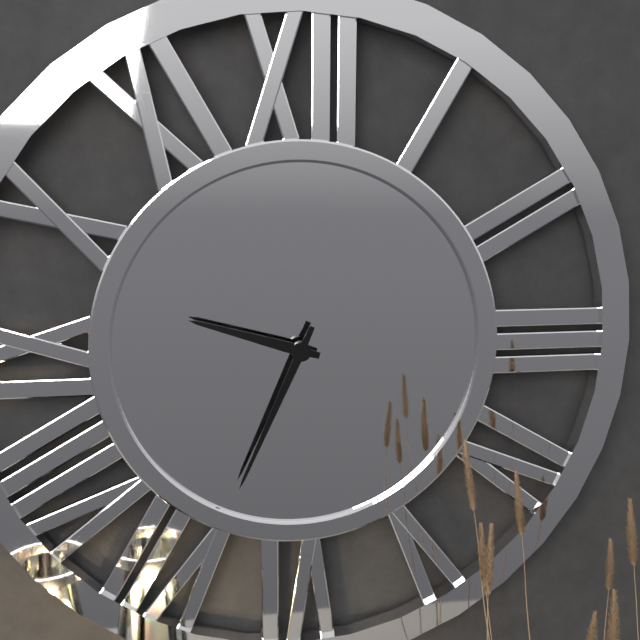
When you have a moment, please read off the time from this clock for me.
9:34
